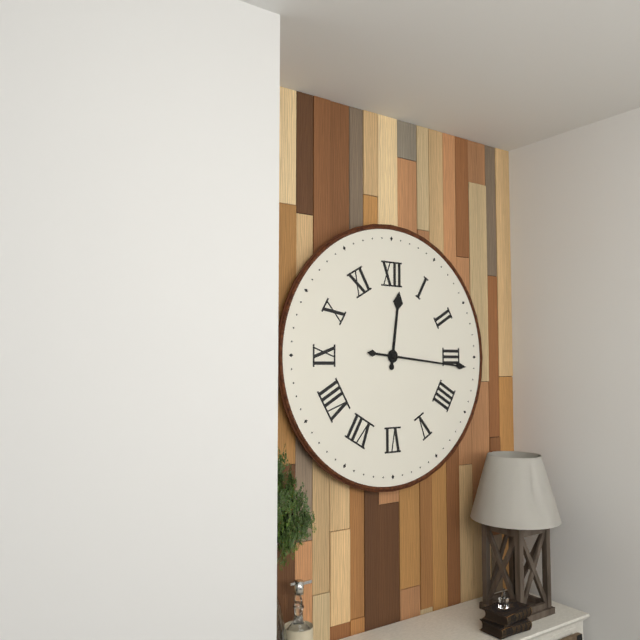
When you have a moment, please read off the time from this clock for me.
12:16
